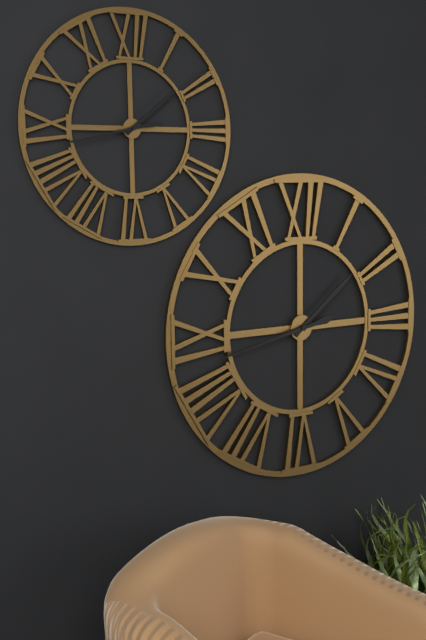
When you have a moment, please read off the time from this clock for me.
1:43
